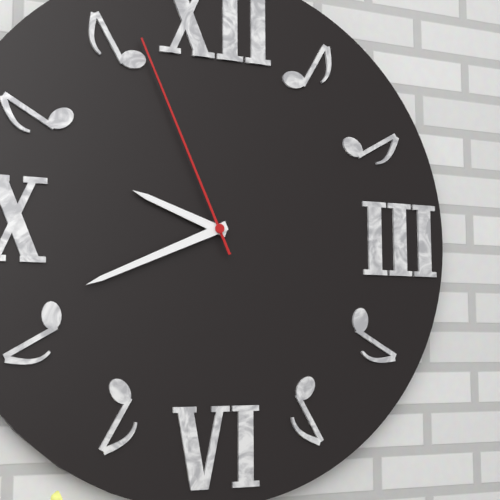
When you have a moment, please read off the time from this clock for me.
9:41:56
